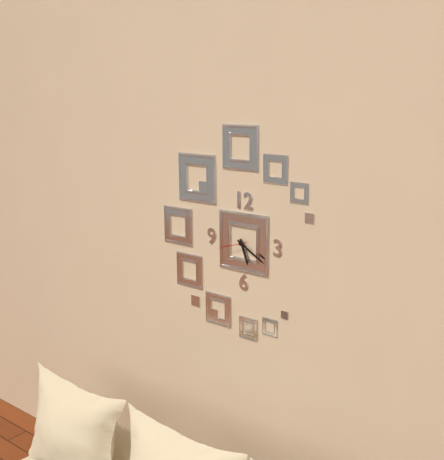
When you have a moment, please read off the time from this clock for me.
5:20
